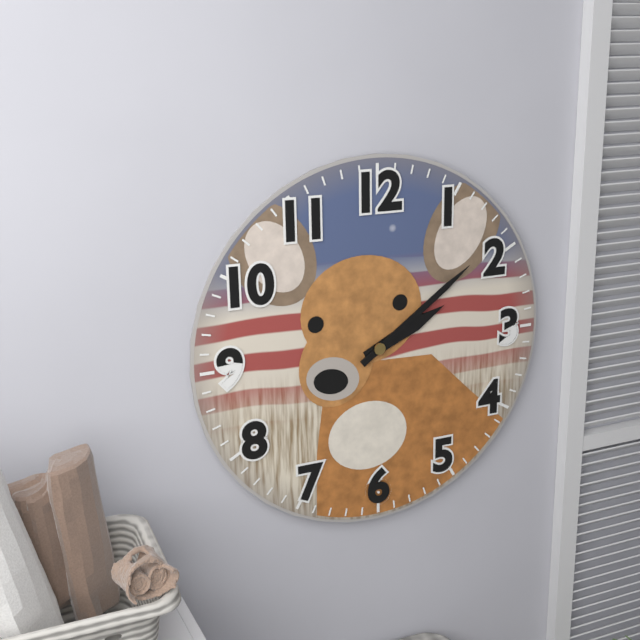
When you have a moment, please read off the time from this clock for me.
2:09
